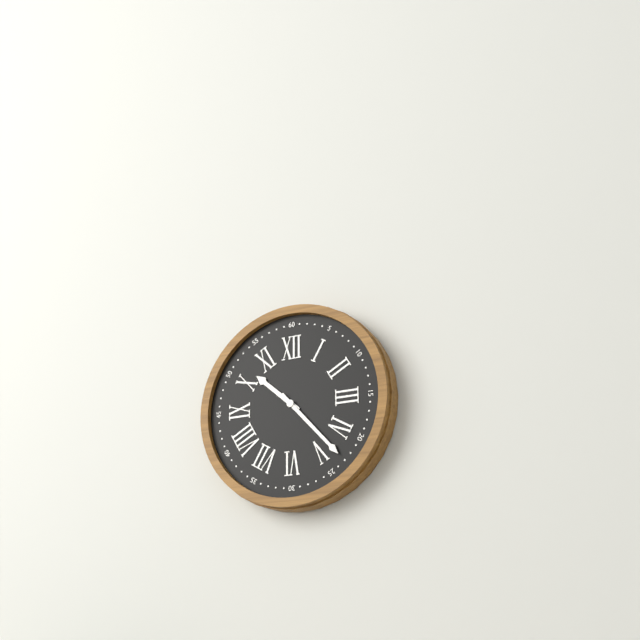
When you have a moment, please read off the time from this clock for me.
10:23
